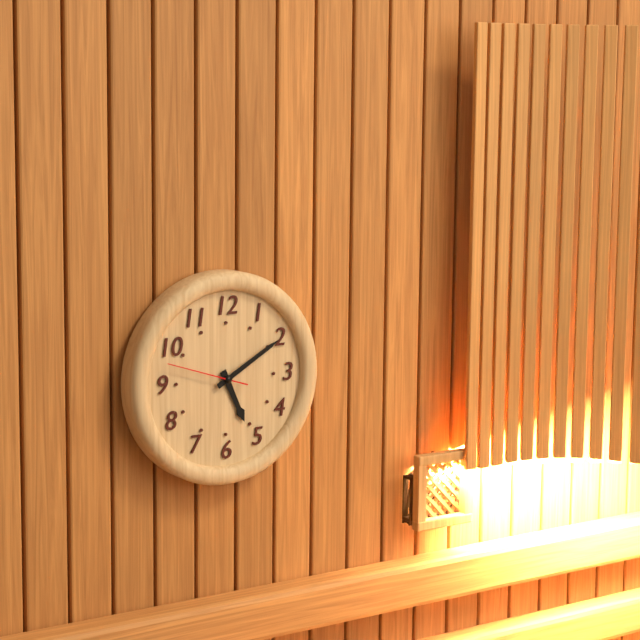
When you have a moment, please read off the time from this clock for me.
5:10:48
